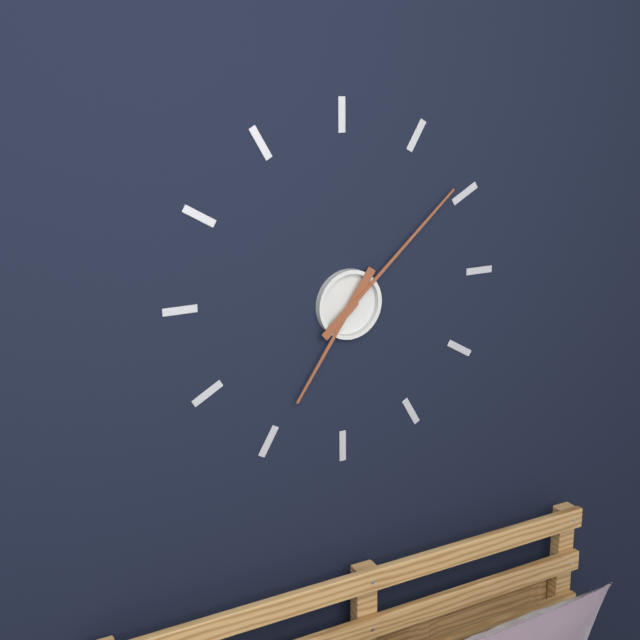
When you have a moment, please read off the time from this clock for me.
7:08
